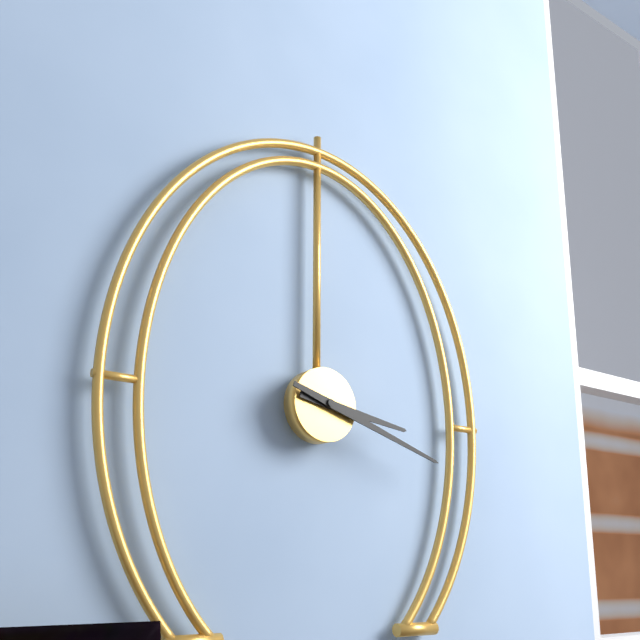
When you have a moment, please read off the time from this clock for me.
3:18
